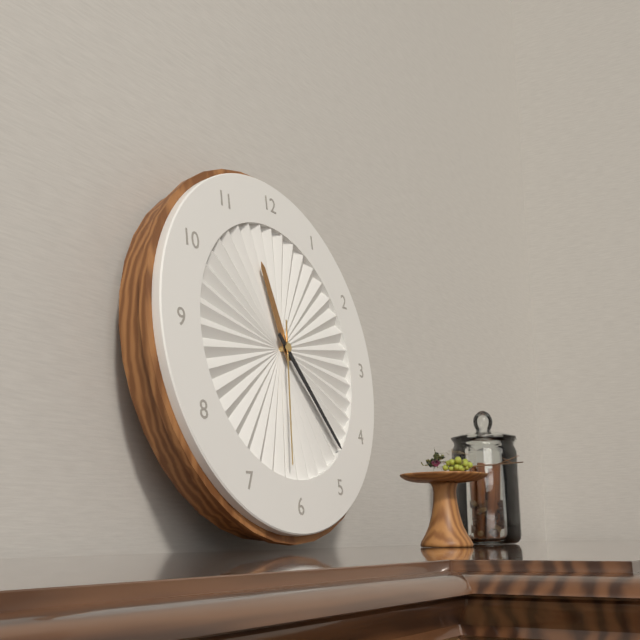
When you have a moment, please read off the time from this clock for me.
11:23:31
